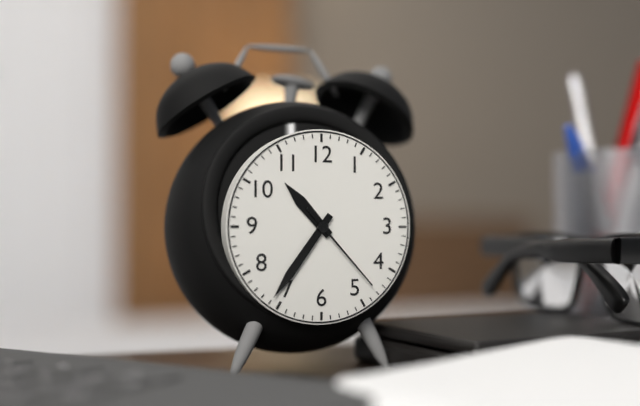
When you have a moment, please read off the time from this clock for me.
10:36:23
